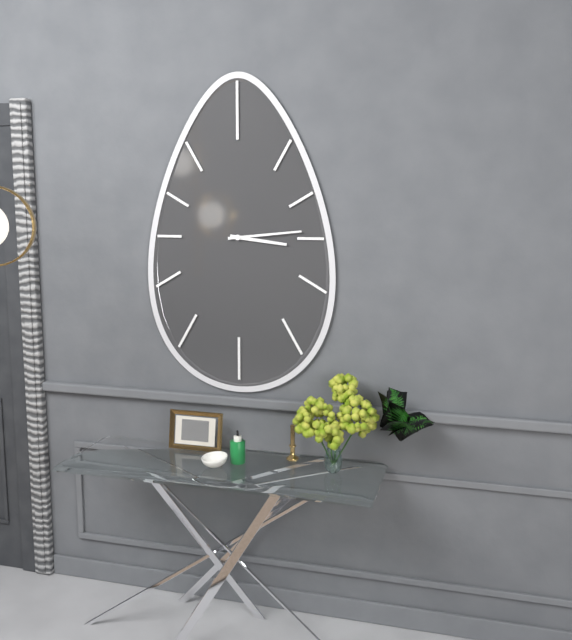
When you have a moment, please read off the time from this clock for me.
3:14
